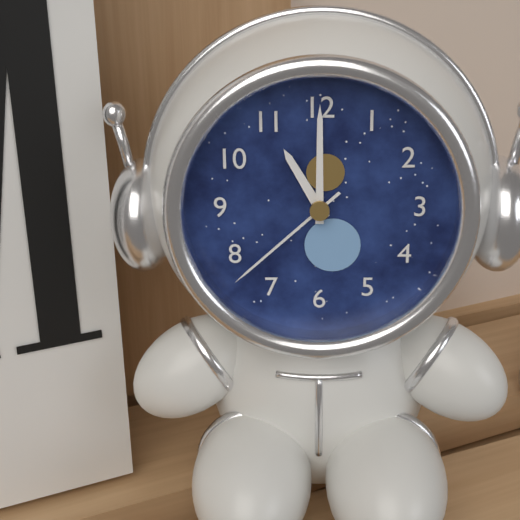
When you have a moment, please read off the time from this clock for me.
11:00:38
